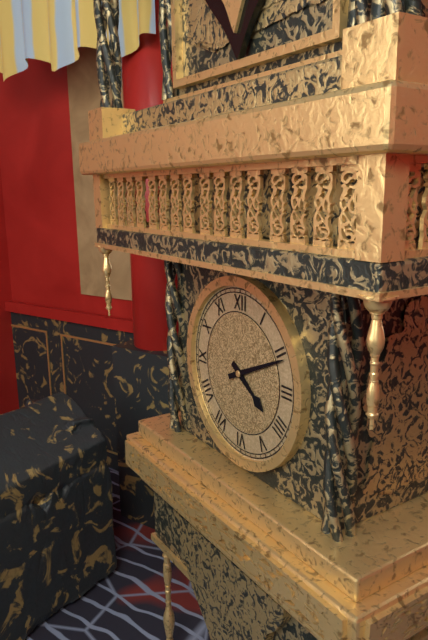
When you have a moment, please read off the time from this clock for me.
4:11
